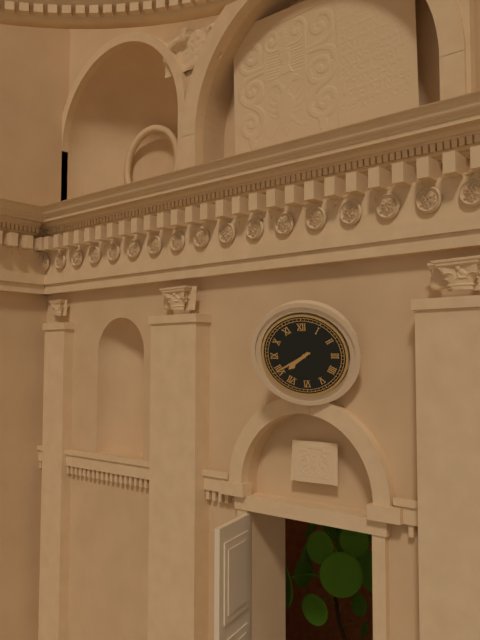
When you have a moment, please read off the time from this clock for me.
7:40
